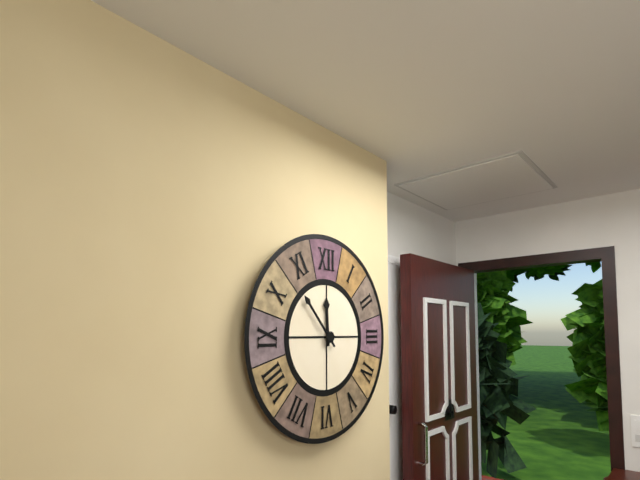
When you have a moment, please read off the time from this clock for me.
11:53
